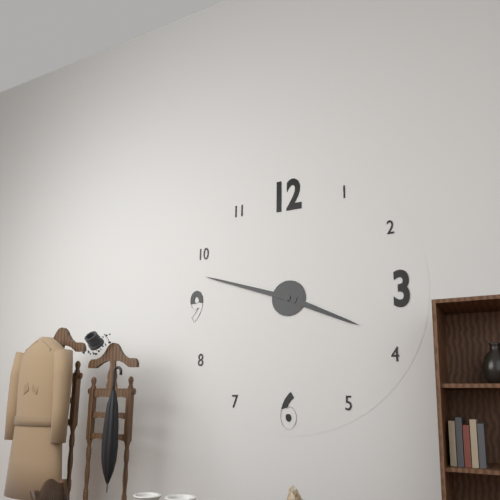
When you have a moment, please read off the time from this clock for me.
3:48
